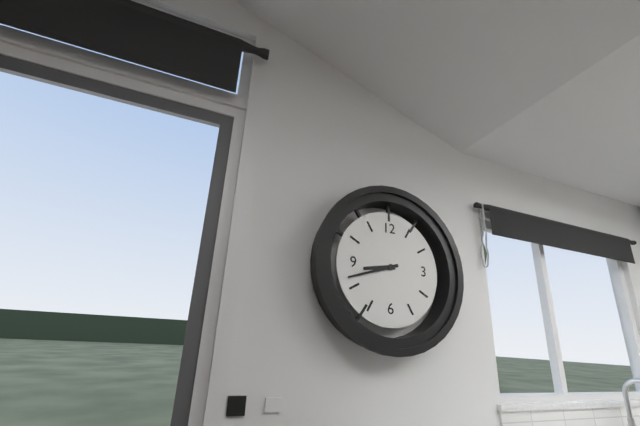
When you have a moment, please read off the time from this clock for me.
8:42
